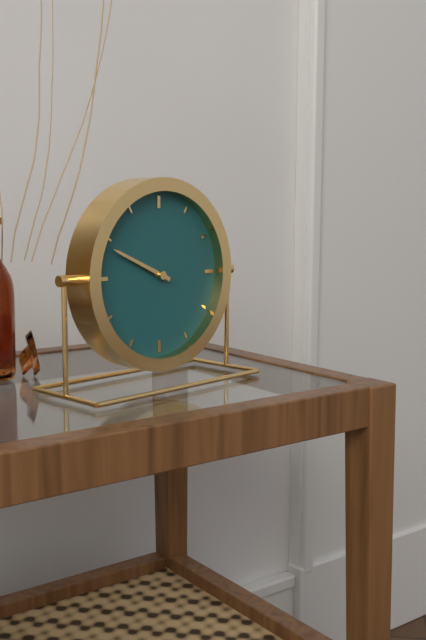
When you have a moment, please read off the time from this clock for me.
9:49
